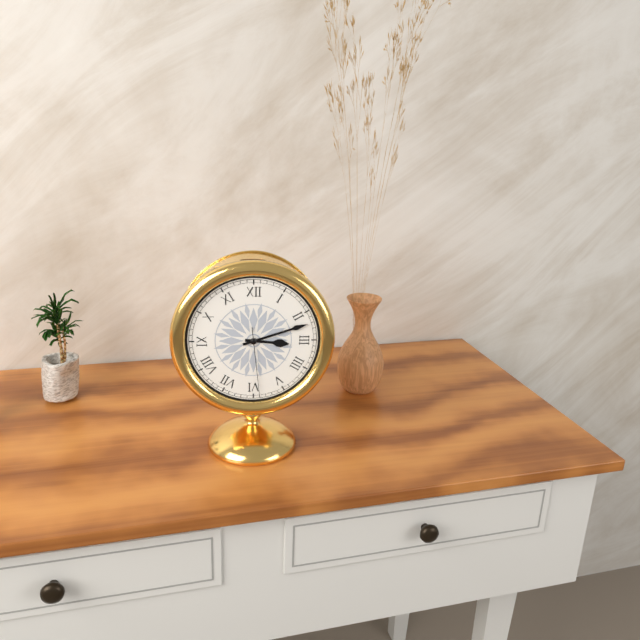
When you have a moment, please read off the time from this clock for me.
3:12:29
